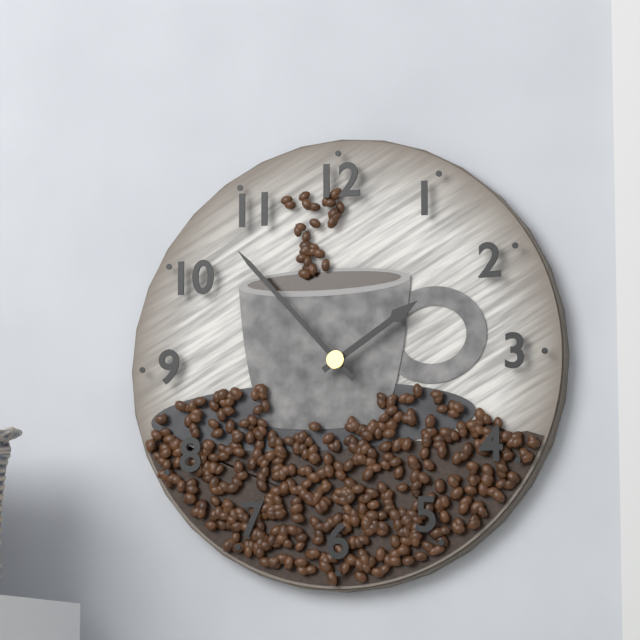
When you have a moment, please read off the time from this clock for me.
1:53
